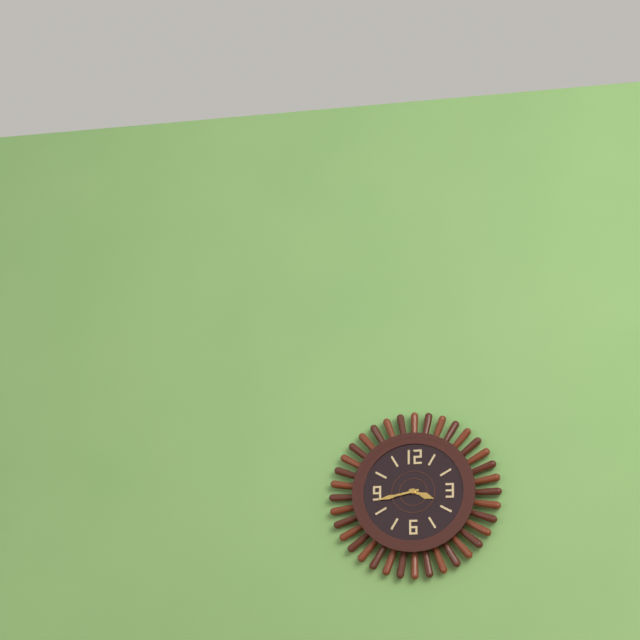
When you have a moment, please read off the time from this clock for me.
3:43
